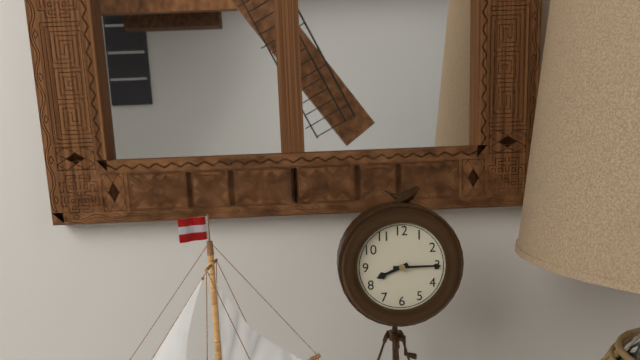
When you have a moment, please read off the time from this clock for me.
8:15
